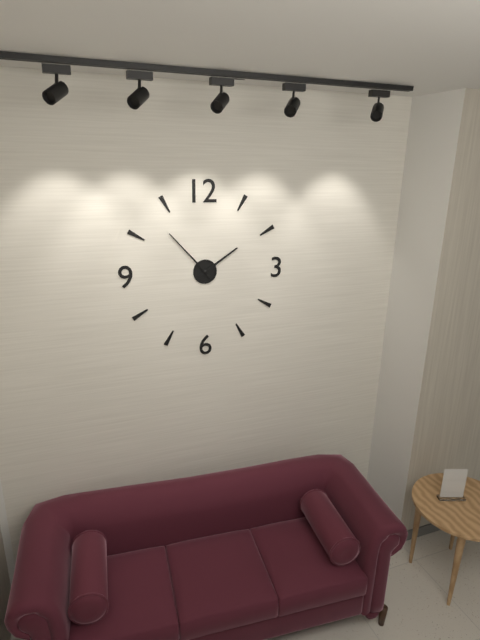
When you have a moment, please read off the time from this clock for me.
1:53
